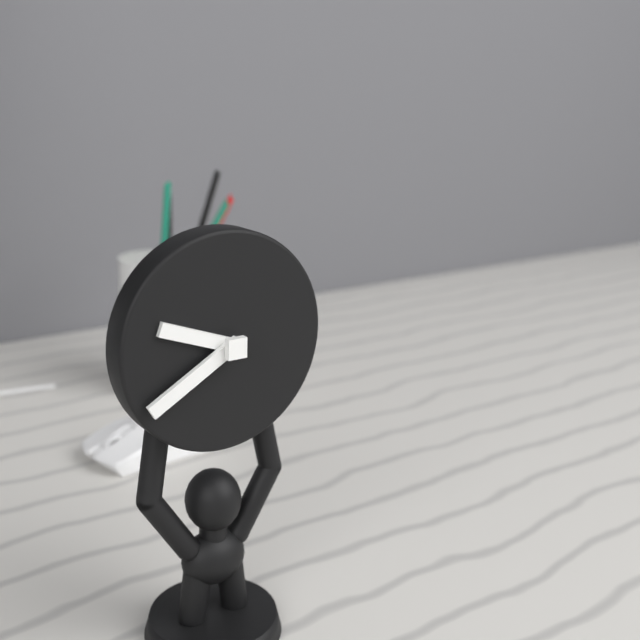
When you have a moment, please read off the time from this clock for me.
9:40
